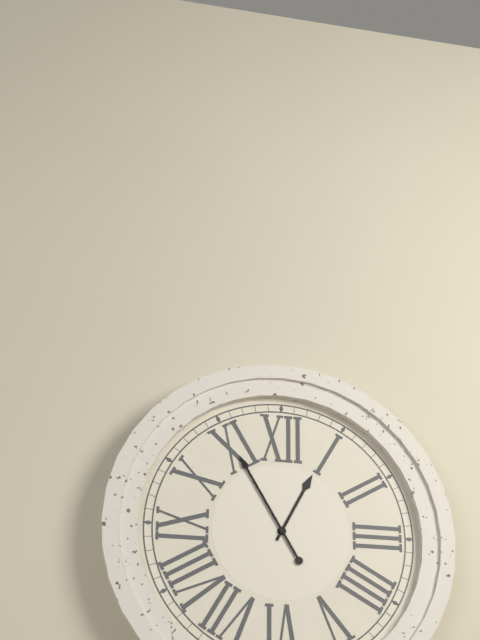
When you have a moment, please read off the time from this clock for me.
12:55
